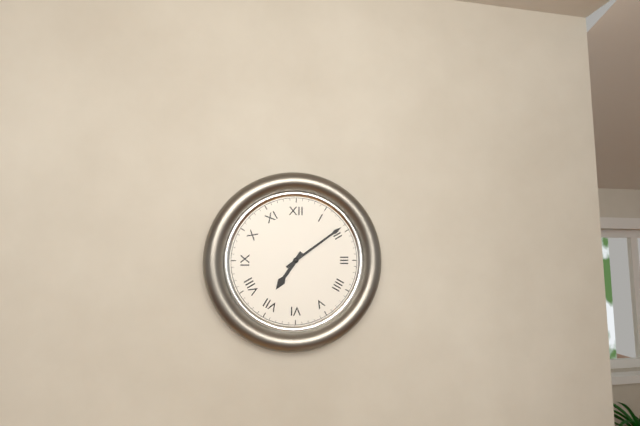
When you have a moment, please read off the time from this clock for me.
7:09
